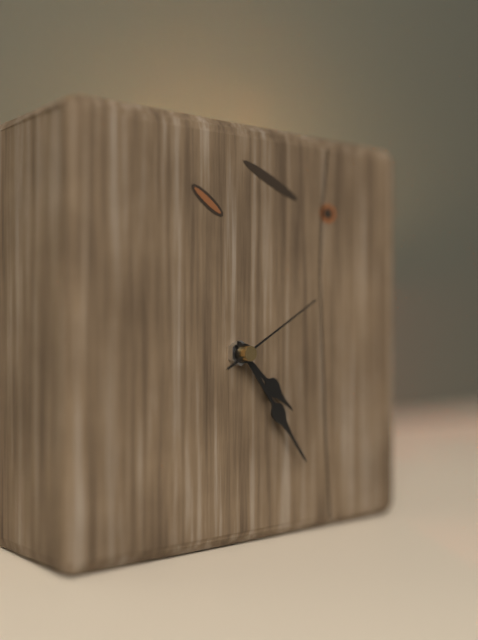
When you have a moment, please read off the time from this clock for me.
4:24:10
